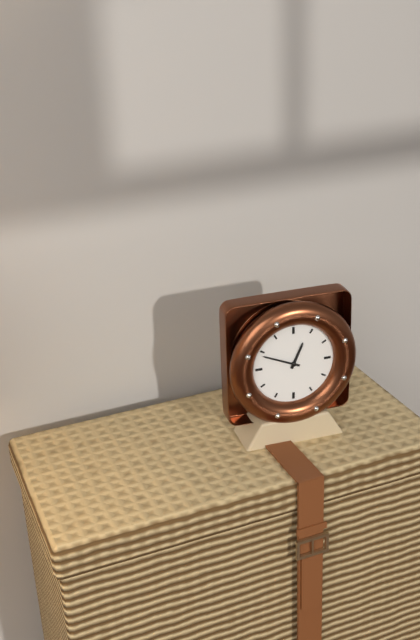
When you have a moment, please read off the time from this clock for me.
12:49
